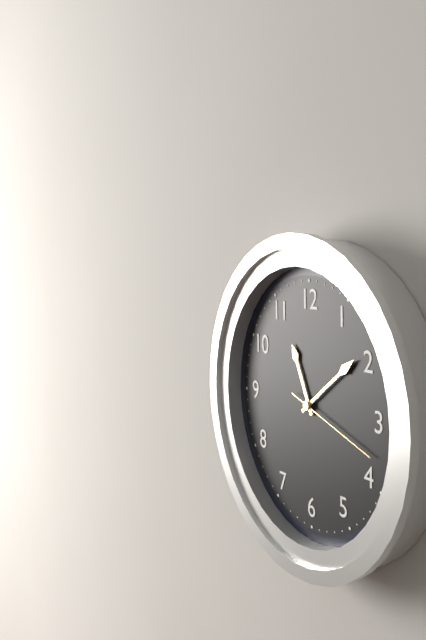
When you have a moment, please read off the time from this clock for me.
11:09:18
